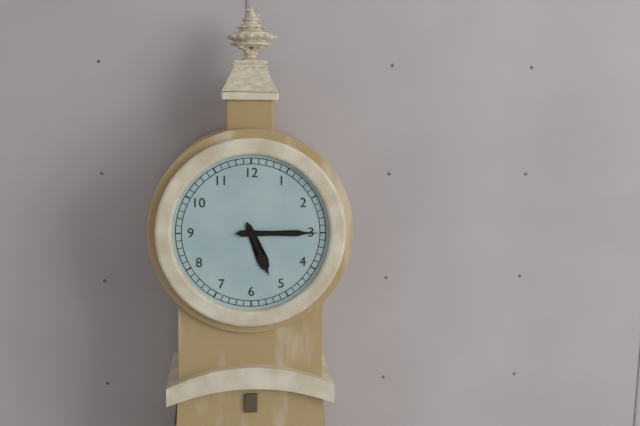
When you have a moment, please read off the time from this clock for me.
5:15
